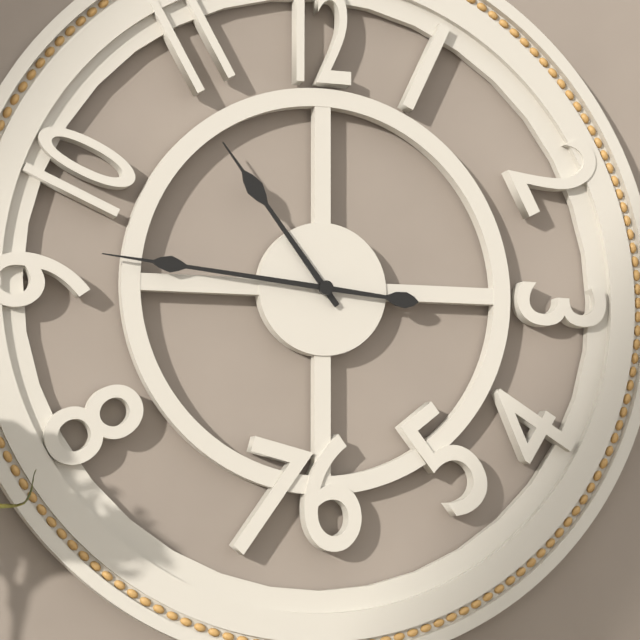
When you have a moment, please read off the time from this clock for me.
10:46
